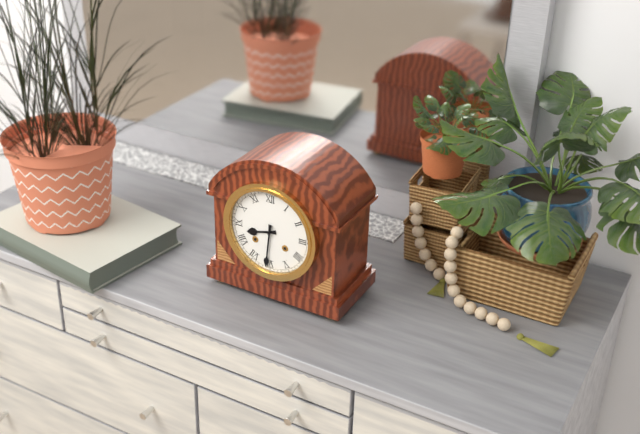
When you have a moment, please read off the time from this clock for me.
8:31
